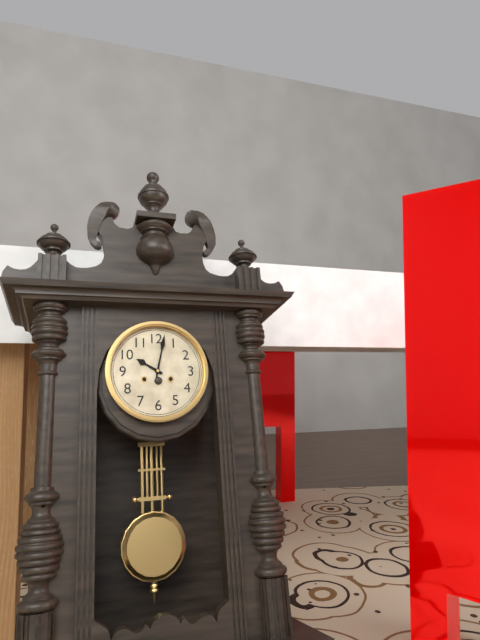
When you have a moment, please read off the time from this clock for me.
10:02
